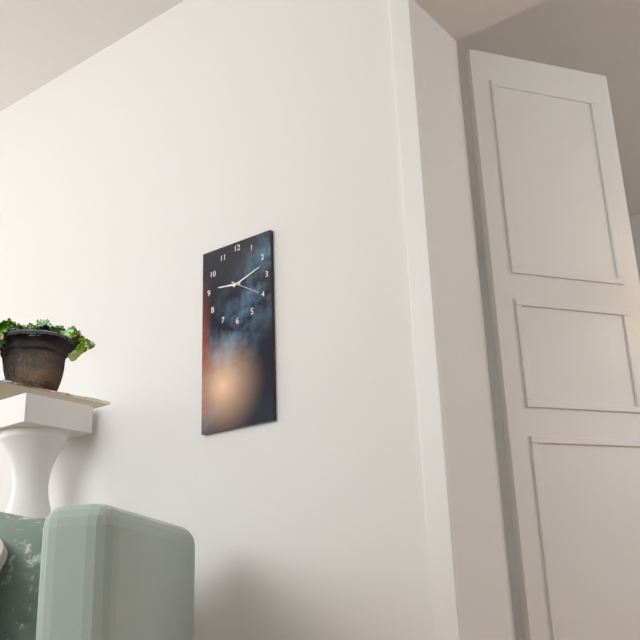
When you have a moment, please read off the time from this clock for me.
9:12
